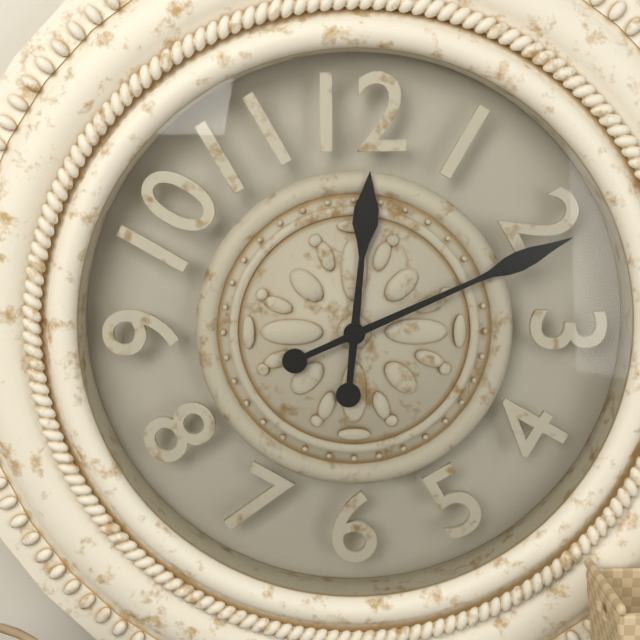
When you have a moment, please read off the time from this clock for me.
12:11
